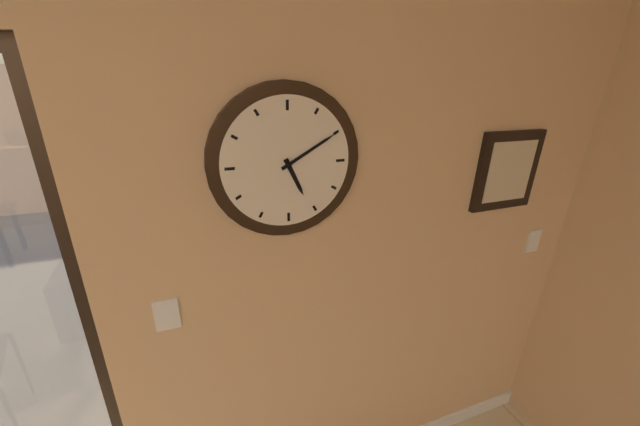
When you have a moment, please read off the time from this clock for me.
5:10
